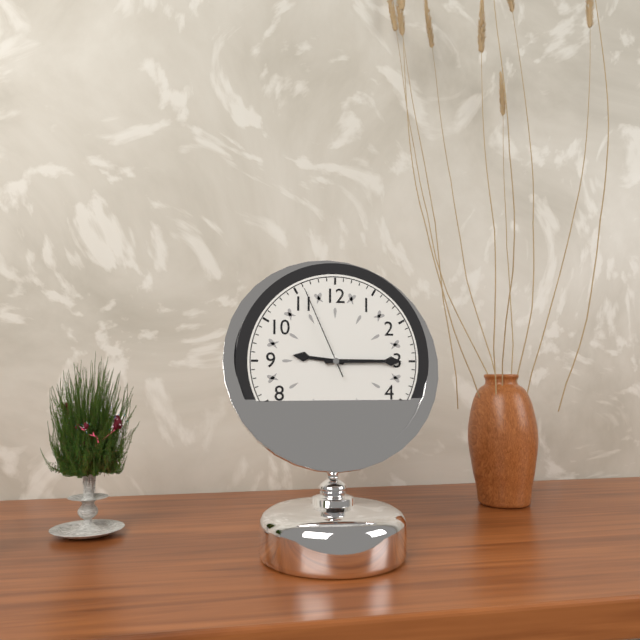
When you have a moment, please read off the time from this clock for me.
9:15:56
